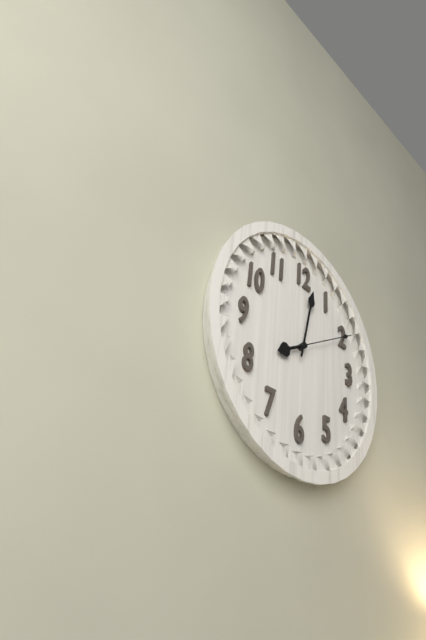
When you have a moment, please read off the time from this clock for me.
8:02:10
